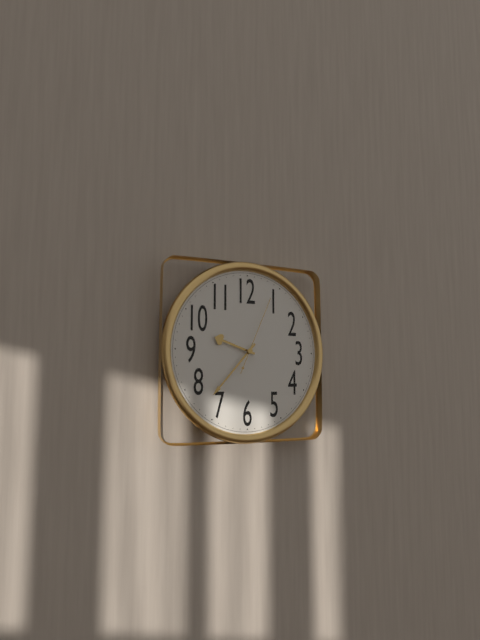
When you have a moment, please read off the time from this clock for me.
9:37:04
